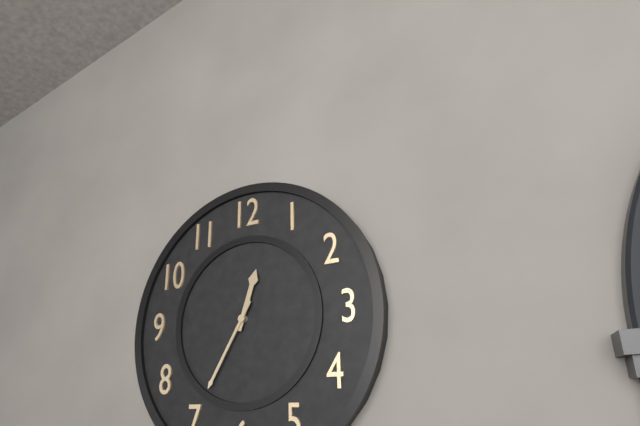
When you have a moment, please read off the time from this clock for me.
12:35
